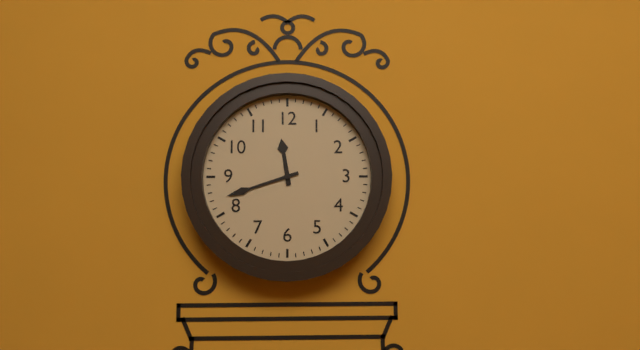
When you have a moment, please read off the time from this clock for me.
11:42
